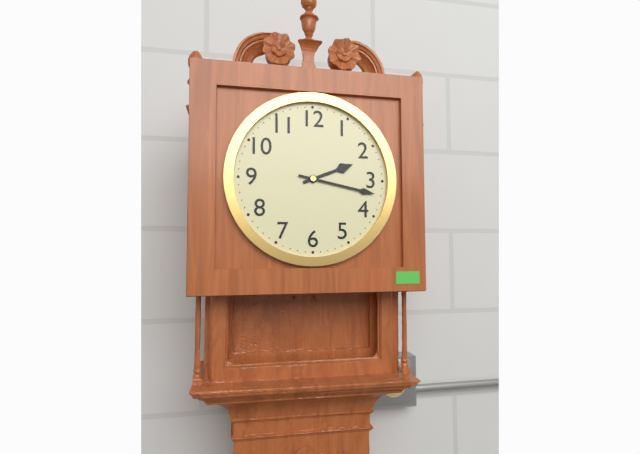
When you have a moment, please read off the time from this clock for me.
2:17
